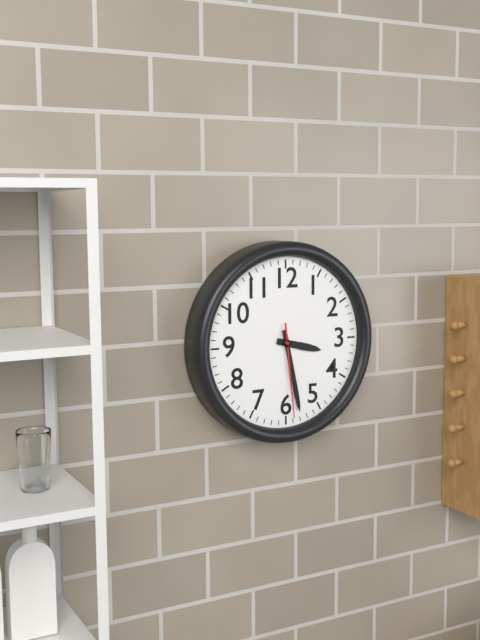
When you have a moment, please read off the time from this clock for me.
3:28:29
